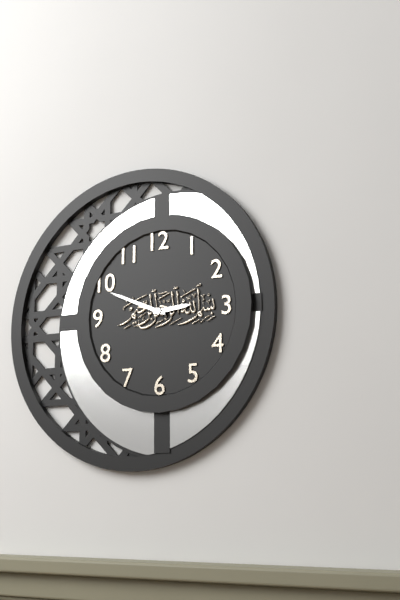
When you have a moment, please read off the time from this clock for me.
2:49
